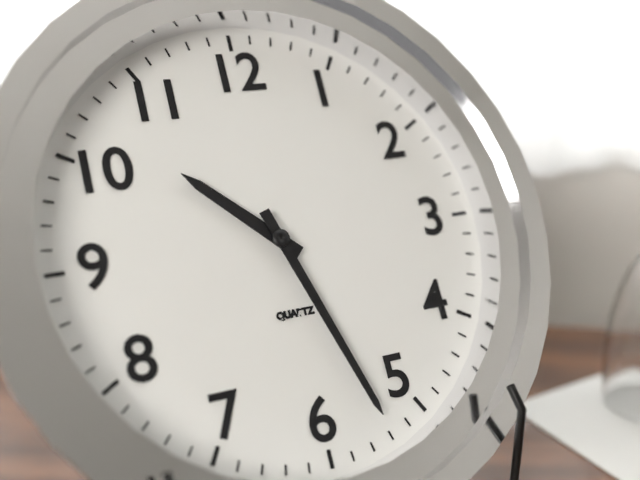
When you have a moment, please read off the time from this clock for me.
10:27
